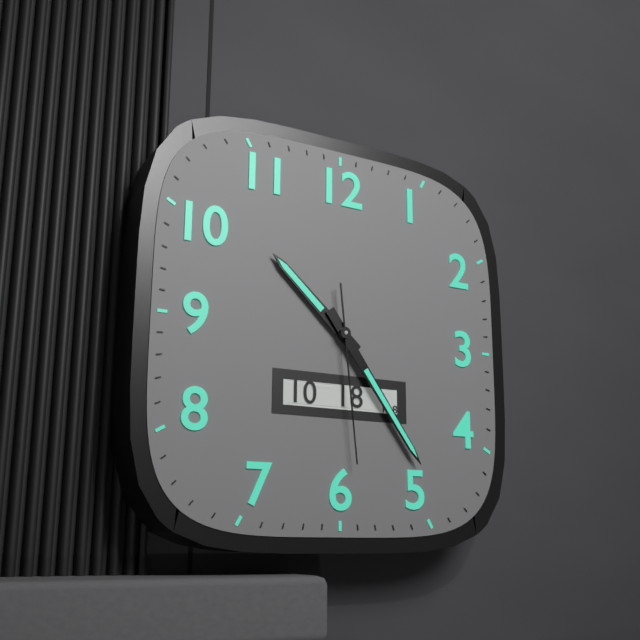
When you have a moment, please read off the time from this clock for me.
10:24:29
